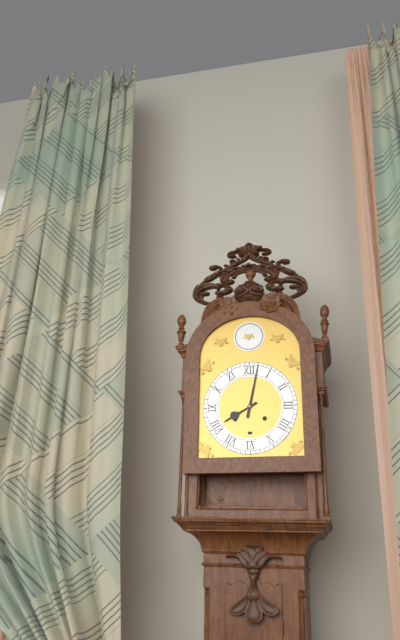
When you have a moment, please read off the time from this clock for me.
8:02
